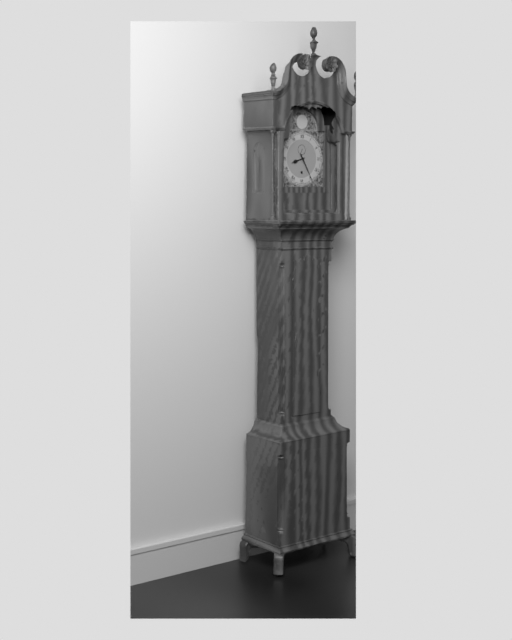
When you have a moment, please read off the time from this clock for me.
8:25
